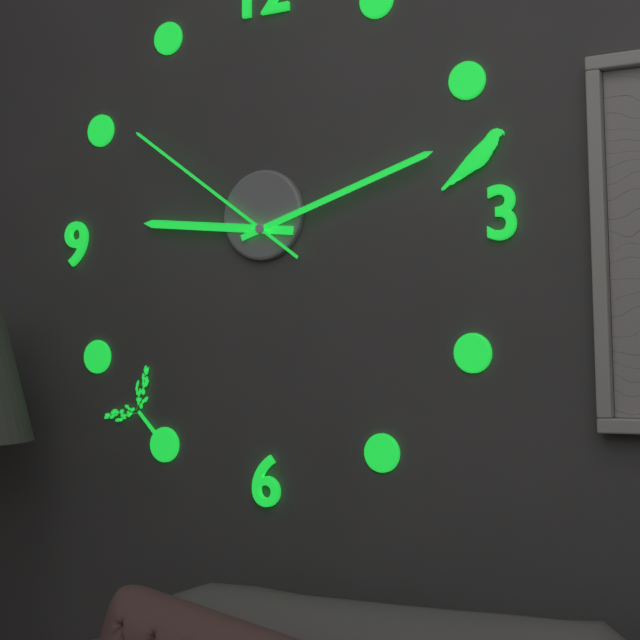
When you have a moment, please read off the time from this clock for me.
9:12:51
